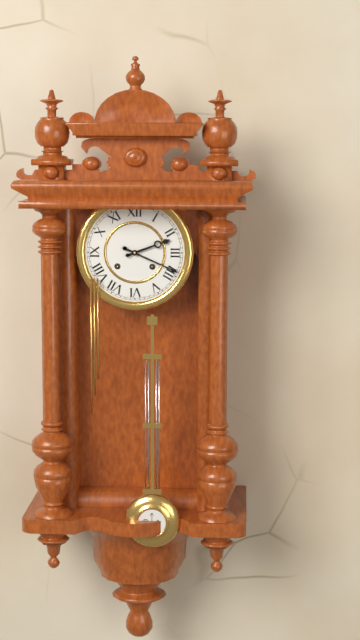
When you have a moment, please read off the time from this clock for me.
2:19
